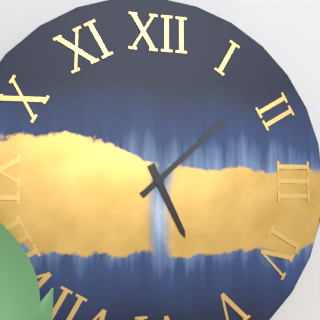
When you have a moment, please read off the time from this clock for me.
5:08
